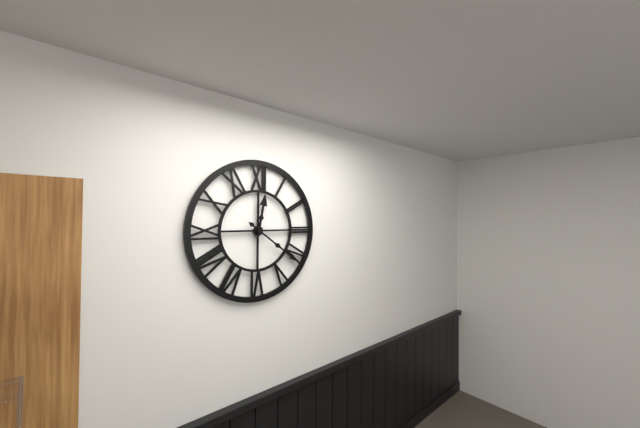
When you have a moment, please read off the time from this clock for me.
12:21
